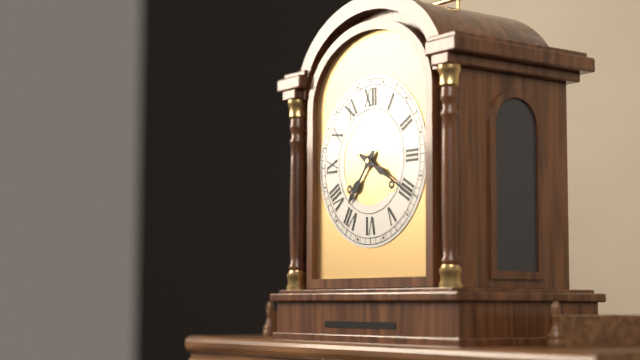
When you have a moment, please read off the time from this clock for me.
7:20
